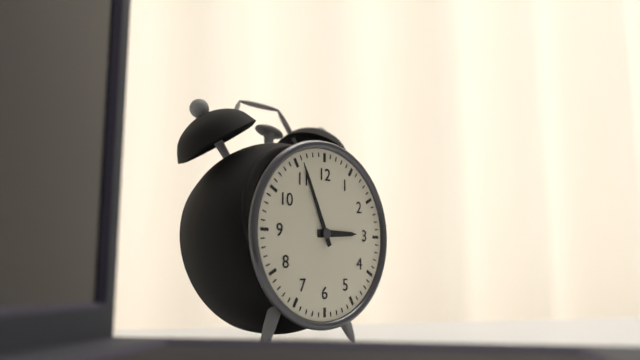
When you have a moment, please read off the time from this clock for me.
2:56
